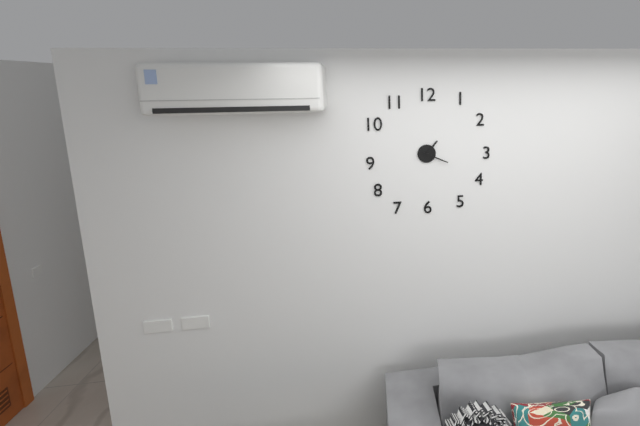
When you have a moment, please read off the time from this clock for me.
1:19
